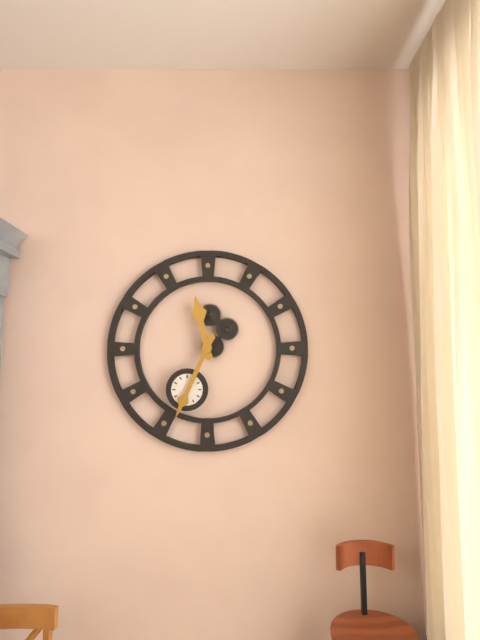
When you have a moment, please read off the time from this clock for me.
11:34
